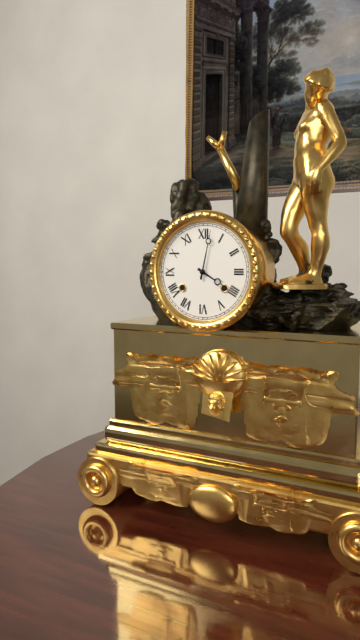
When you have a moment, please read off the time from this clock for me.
4:02
